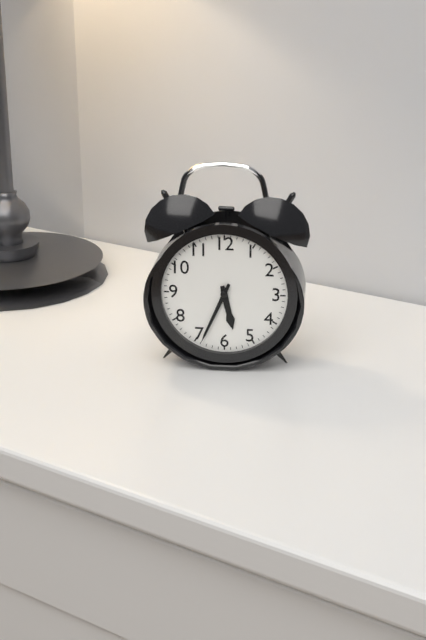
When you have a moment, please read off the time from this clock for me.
5:34
